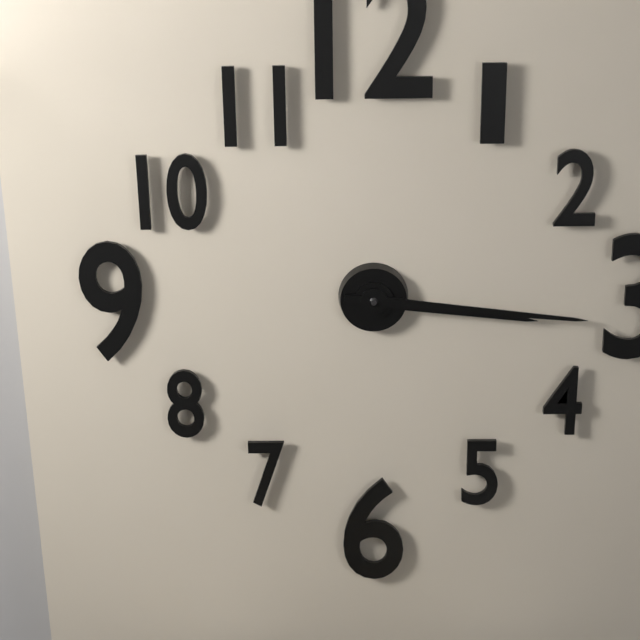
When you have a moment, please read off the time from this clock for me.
3:16
